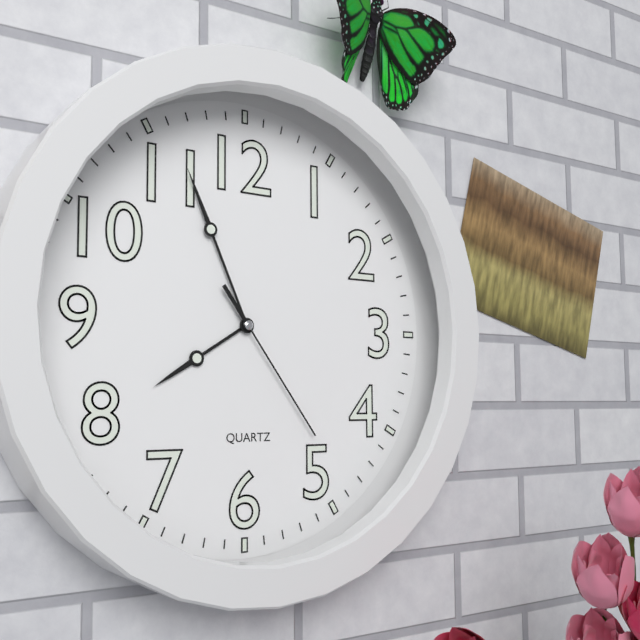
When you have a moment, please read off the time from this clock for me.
7:56:24
